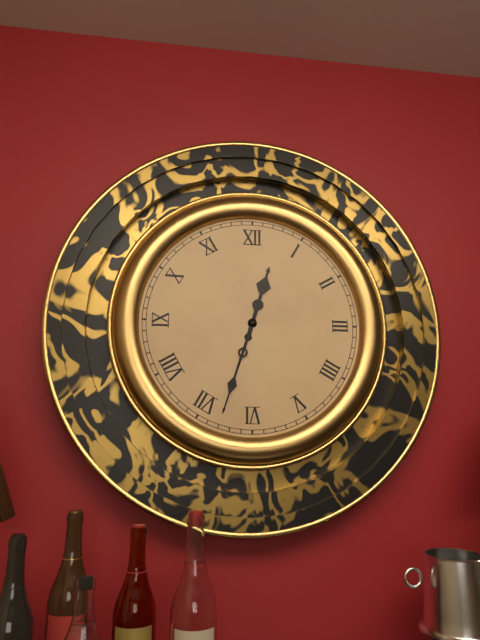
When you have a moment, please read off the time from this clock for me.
12:33
